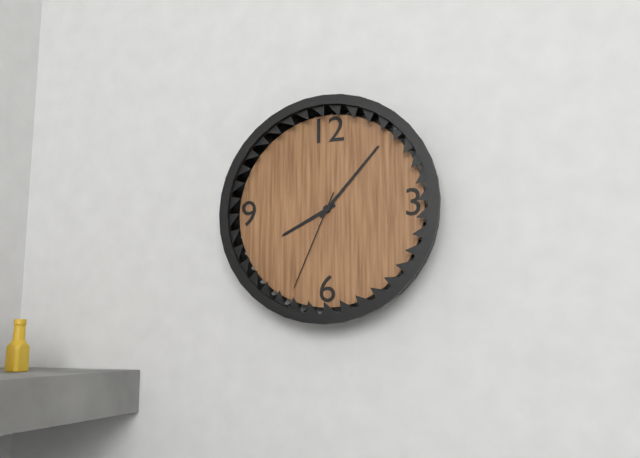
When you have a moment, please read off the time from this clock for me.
8:07:34
